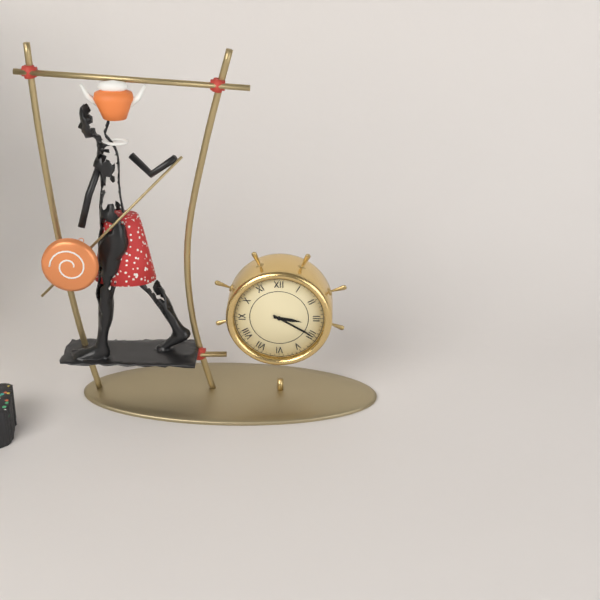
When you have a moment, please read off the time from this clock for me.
3:20
